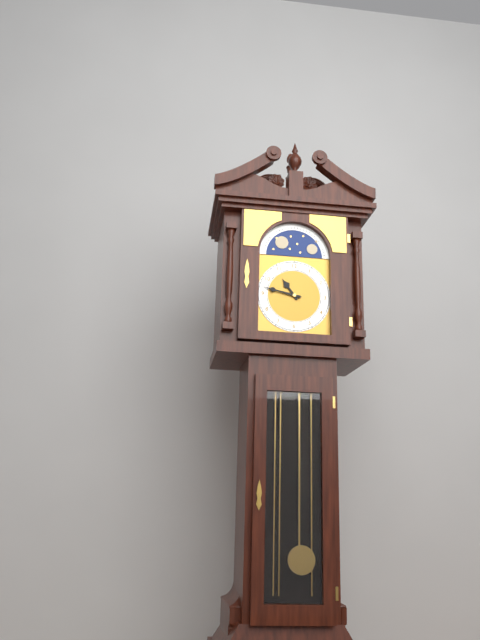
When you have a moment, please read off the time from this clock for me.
10:47
